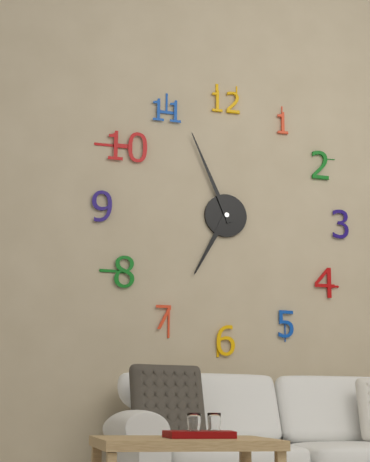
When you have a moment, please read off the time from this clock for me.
6:56
